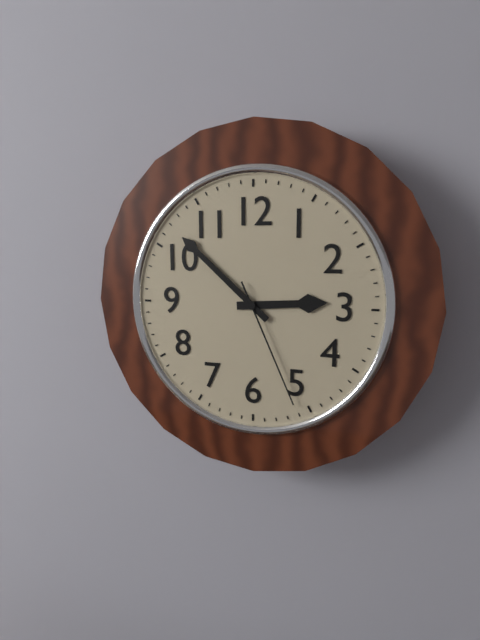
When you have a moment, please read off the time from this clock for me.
2:52:26
